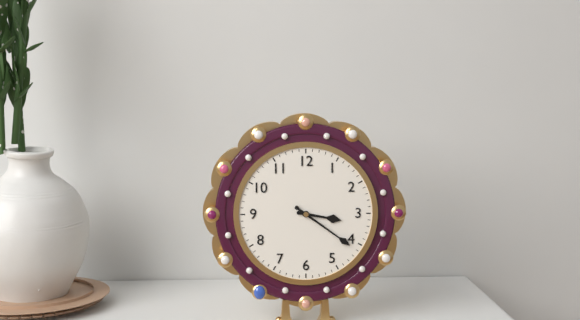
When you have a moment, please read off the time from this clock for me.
3:21
